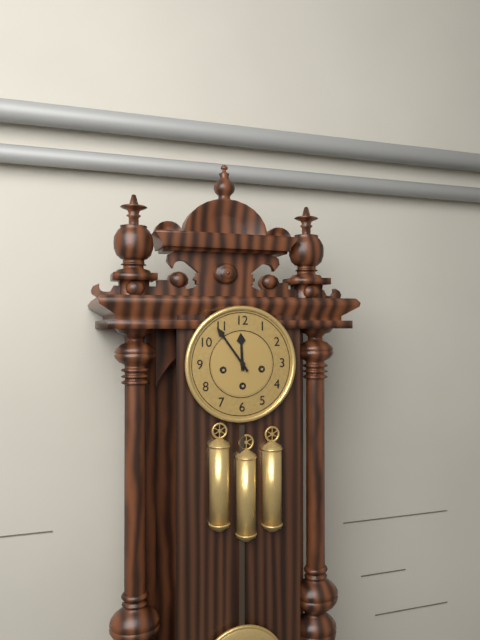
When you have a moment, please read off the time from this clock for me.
11:54
